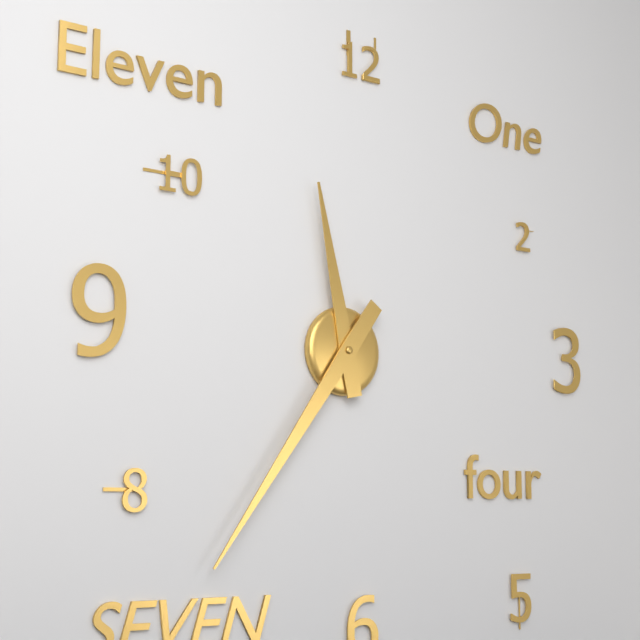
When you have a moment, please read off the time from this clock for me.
11:36
